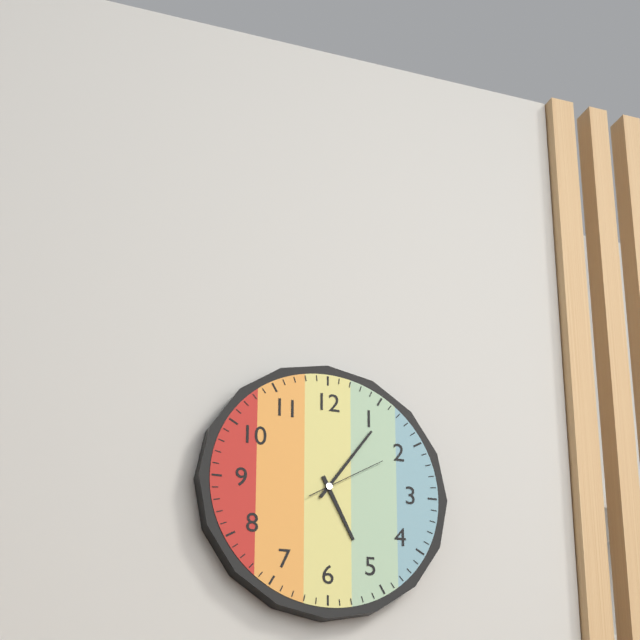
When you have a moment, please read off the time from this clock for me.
5:06:10
